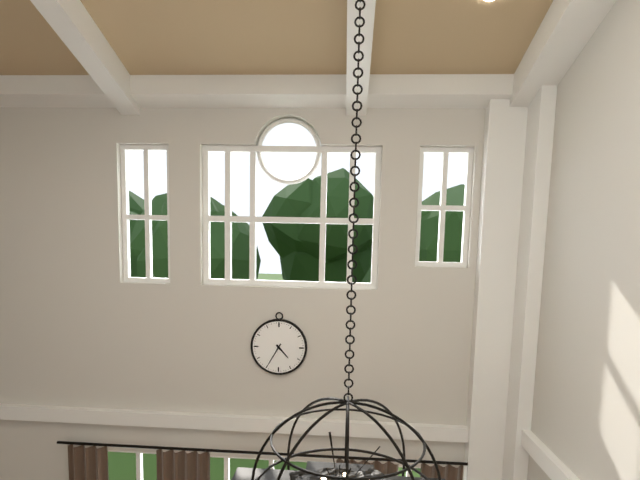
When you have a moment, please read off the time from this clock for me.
4:35
